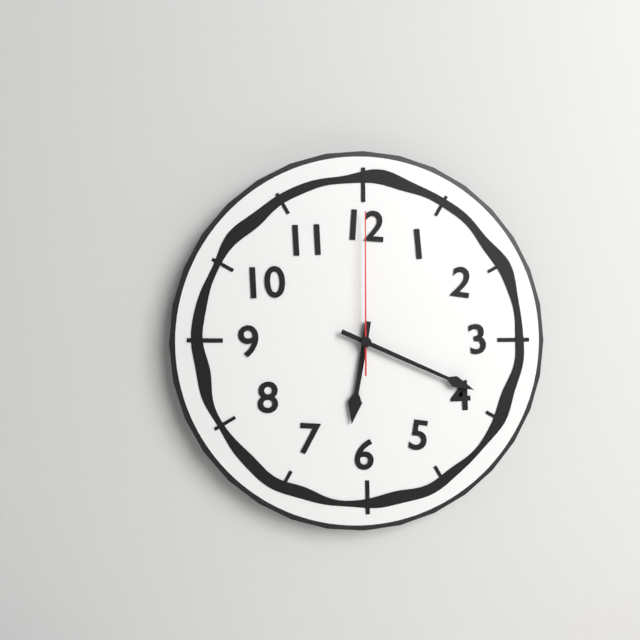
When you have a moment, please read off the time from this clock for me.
6:19:00
